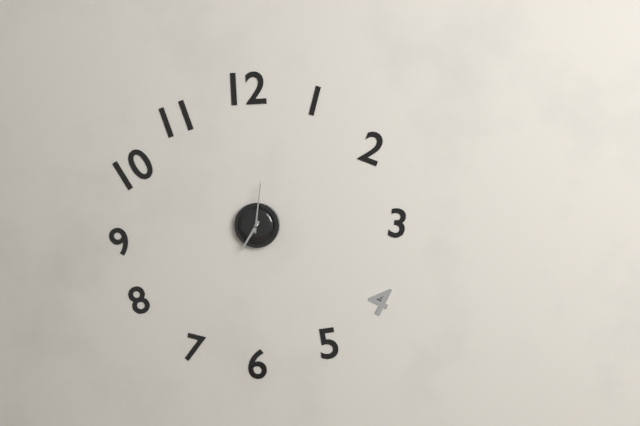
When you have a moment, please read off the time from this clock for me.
7:01
